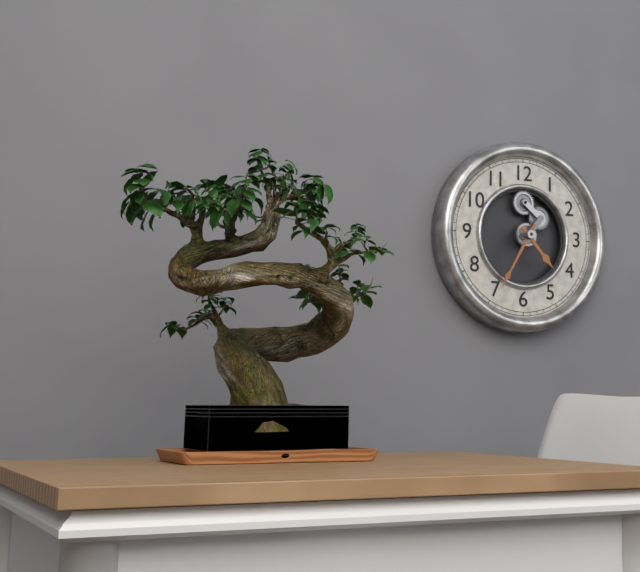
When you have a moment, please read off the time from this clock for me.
4:35
